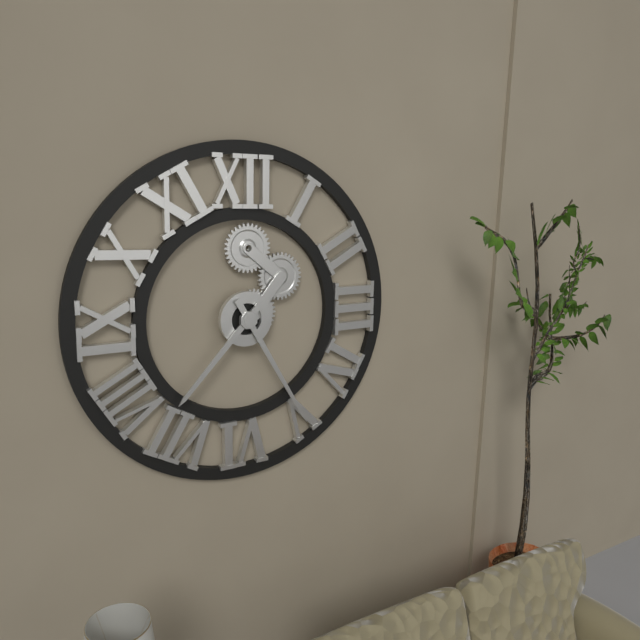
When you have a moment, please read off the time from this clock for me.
7:25
